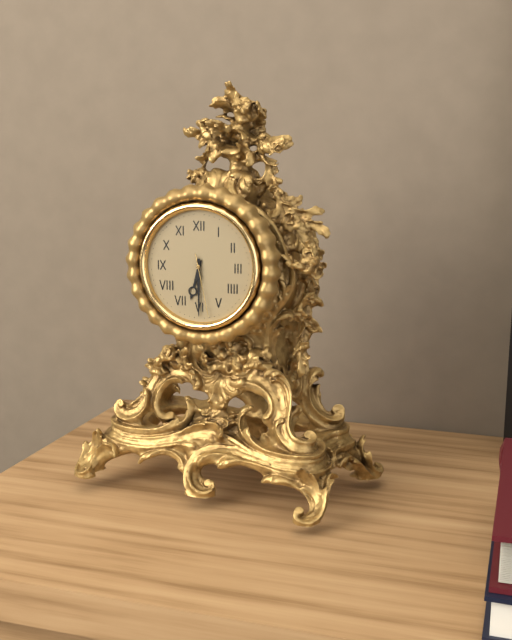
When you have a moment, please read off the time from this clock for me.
6:30:28
